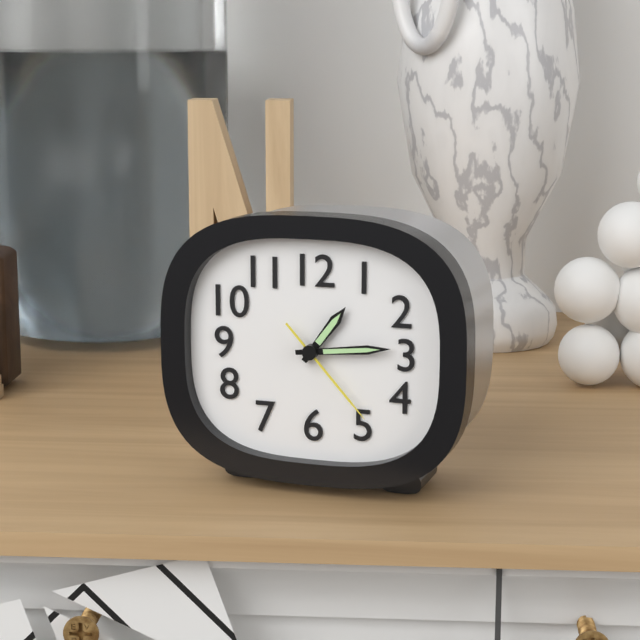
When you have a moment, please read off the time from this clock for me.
1:14:23
